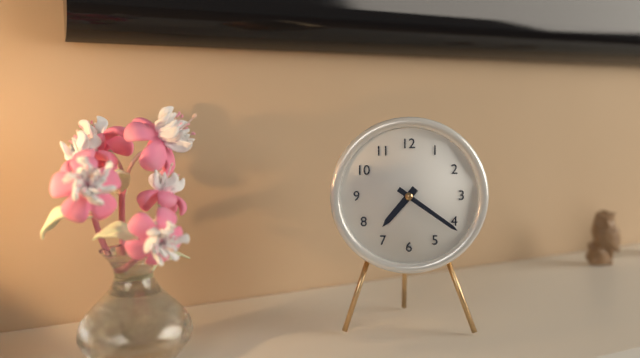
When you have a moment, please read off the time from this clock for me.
7:21
